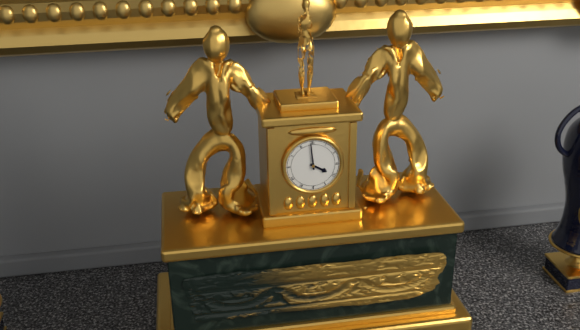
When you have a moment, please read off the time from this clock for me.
3:59
